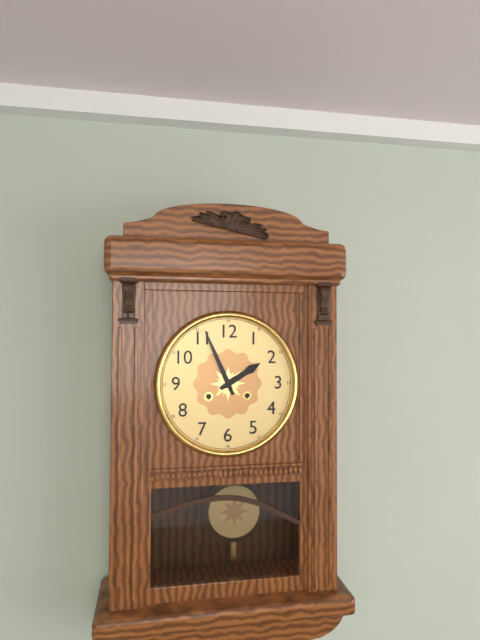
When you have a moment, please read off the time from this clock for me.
1:56
